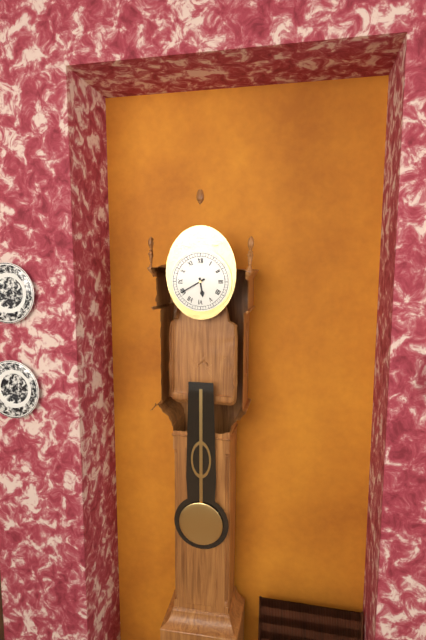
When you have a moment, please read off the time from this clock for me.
5:40
